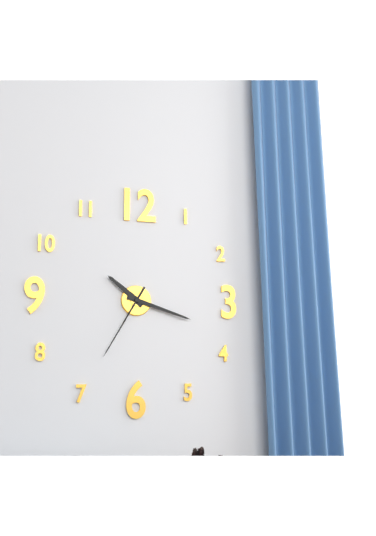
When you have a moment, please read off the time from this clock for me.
10:18:35
